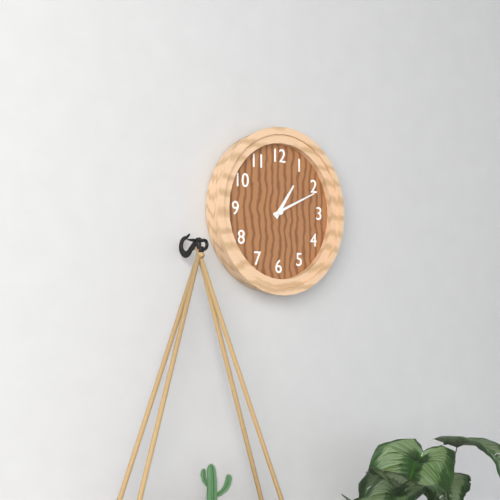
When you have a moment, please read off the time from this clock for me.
1:11
